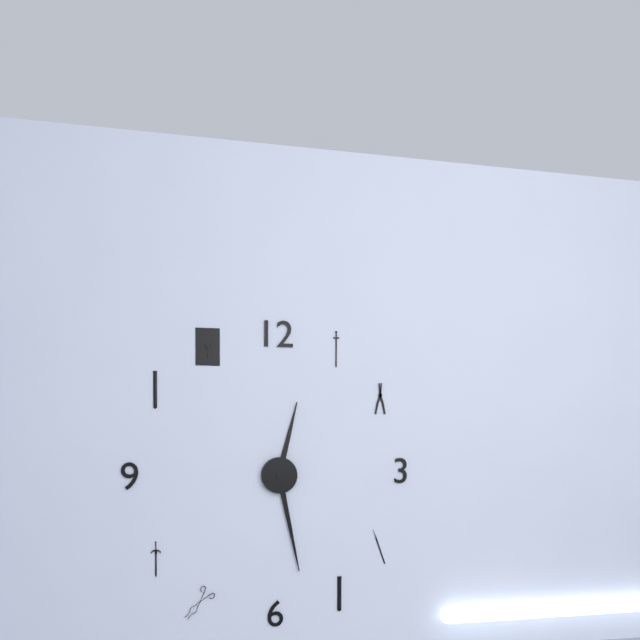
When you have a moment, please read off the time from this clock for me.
12:28
